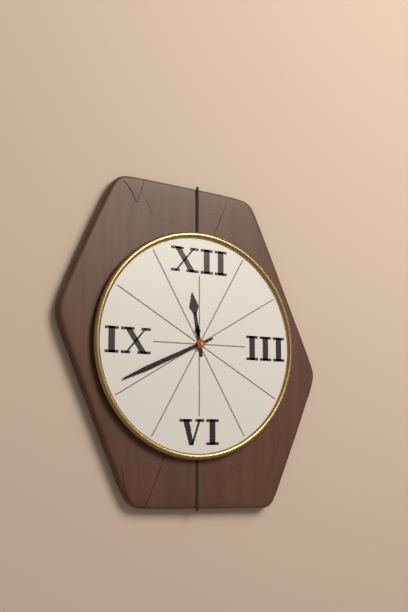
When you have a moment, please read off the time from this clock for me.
11:41
